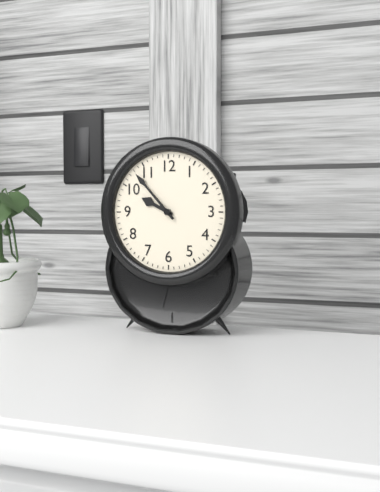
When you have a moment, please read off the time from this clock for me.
9:53
